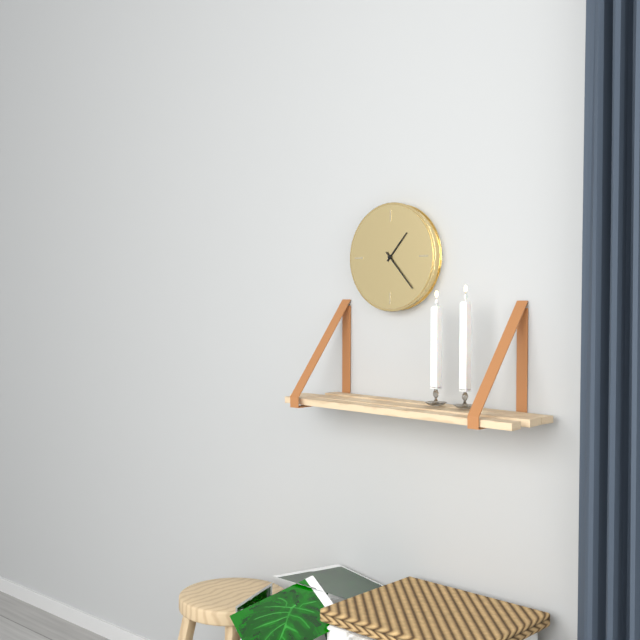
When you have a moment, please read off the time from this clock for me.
1:23
